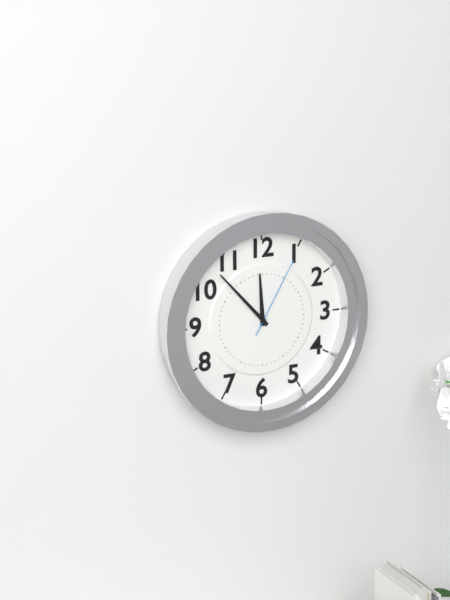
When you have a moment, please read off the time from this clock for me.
11:53:05
